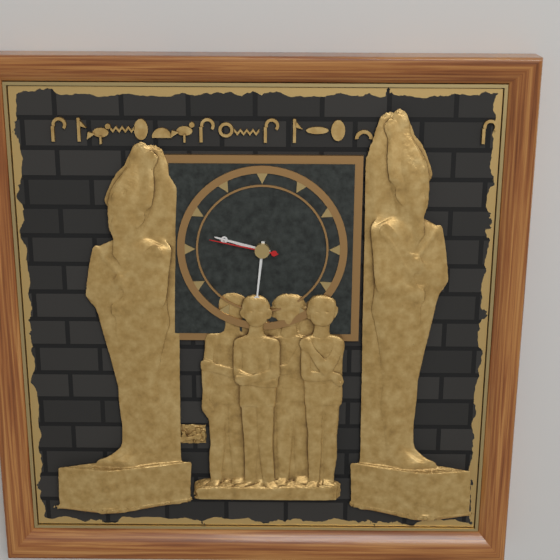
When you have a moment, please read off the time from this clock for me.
9:31:47
